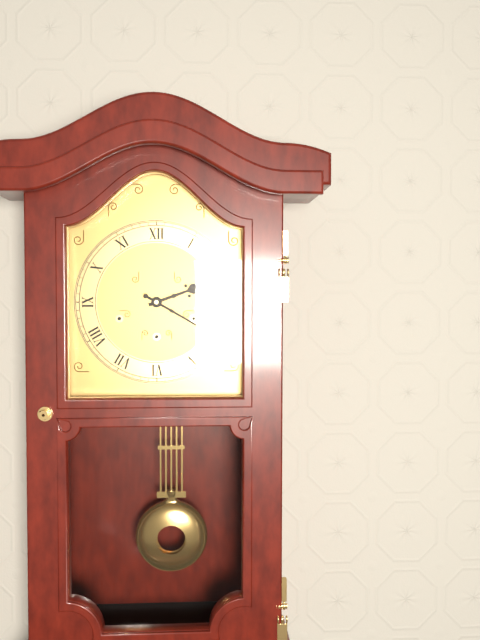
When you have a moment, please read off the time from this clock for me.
2:20
